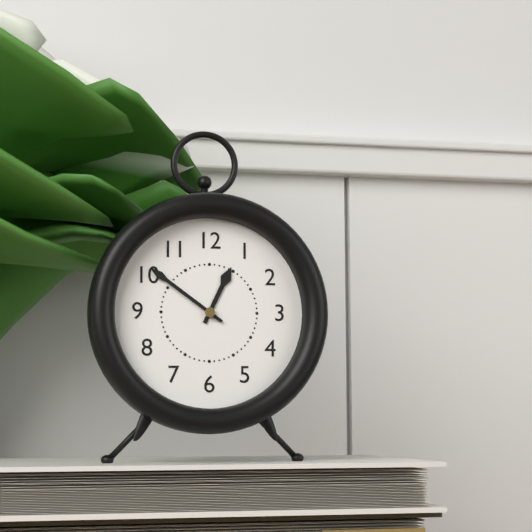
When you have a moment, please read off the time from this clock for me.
12:51
